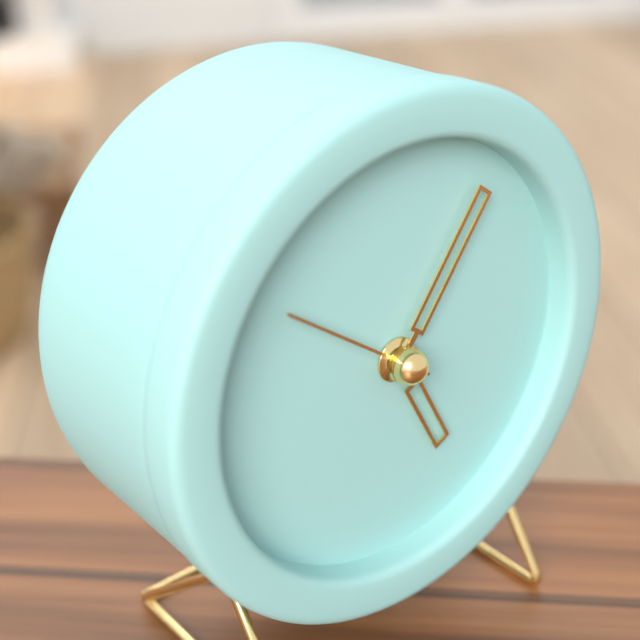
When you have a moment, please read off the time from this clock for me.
5:06:51
